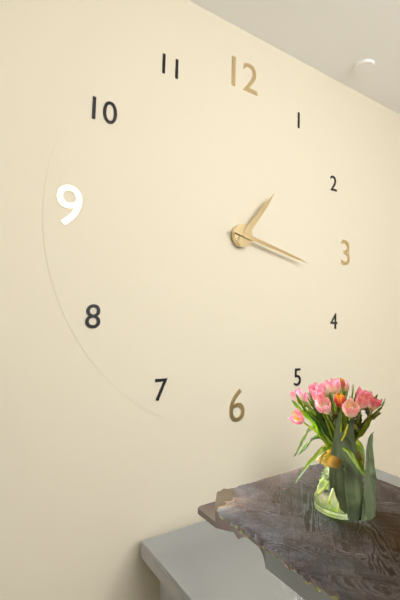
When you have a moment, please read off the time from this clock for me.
1:17
